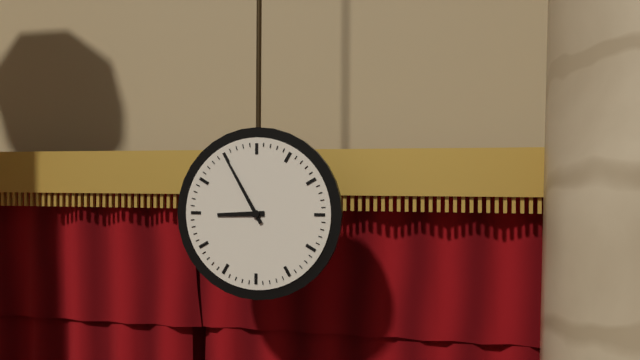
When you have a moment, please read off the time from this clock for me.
8:55
